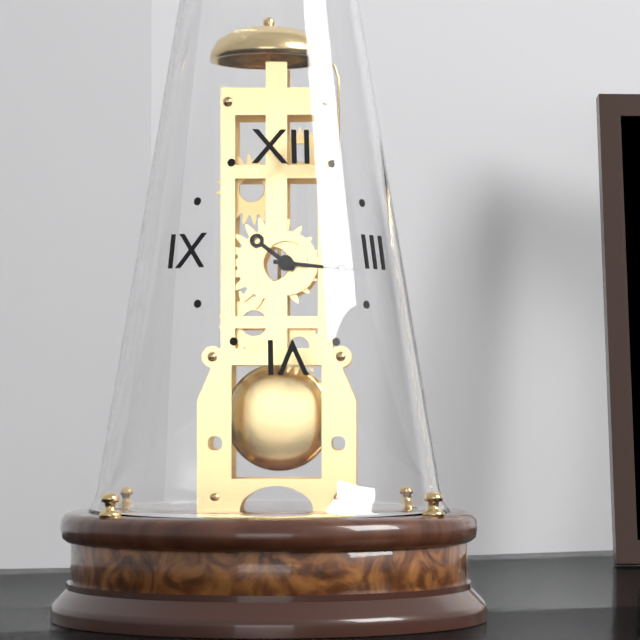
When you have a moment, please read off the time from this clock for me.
10:16
